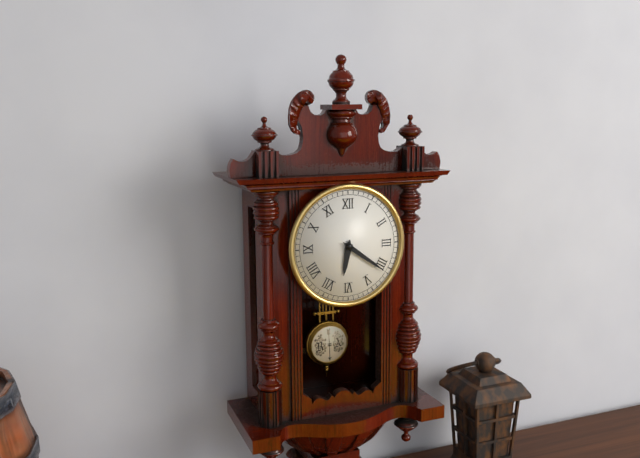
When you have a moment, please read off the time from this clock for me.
6:21
